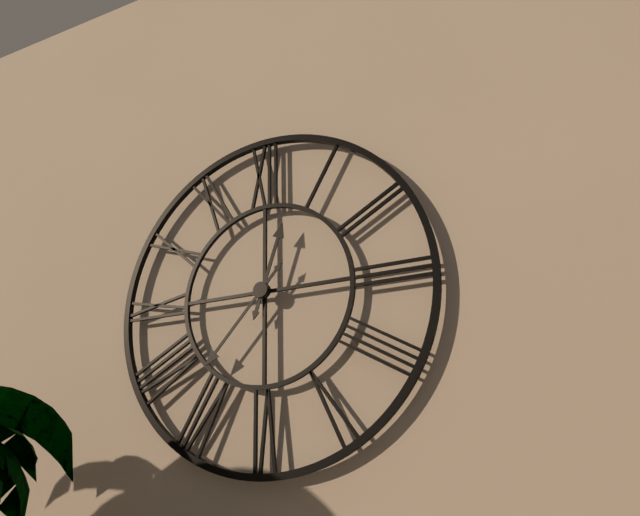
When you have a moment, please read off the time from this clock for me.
12:37
